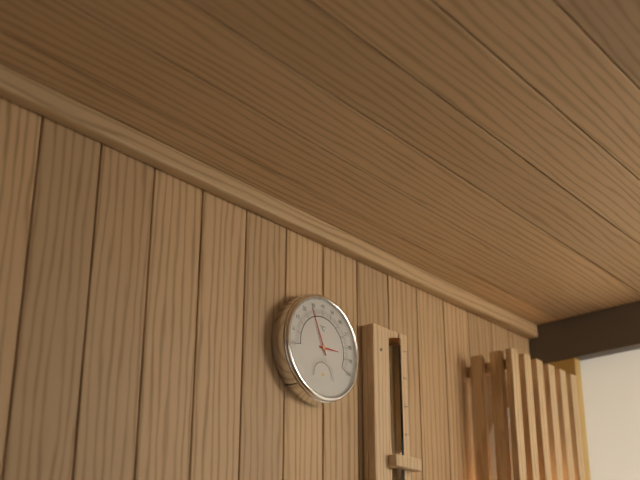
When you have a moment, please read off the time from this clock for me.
2:56
